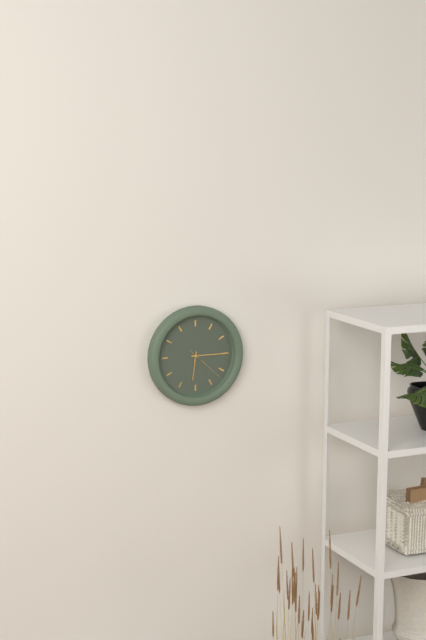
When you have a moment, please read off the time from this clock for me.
6:15
